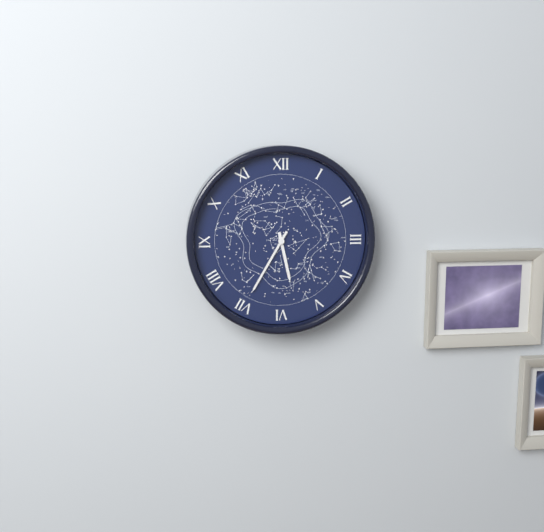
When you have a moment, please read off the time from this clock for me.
5:35
